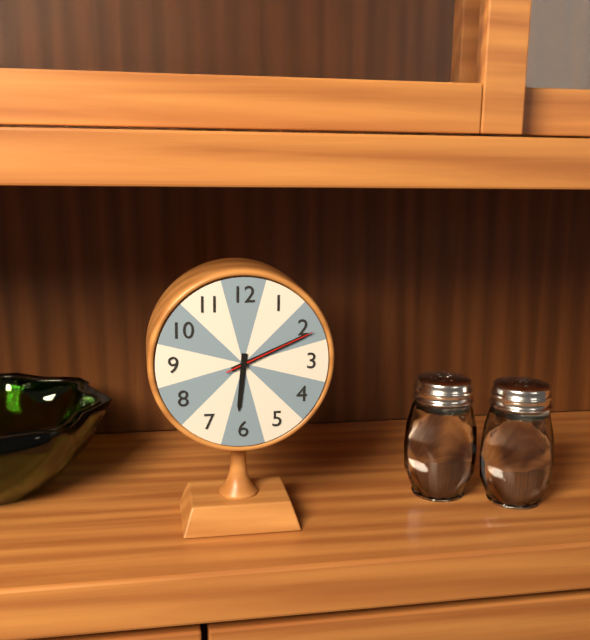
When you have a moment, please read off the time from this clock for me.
6:11:11
